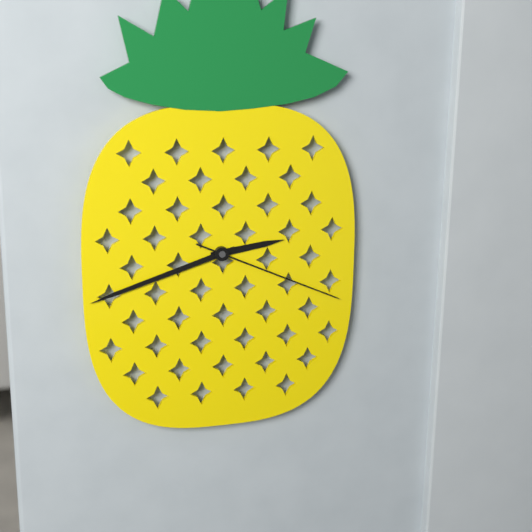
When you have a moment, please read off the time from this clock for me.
2:42:19
